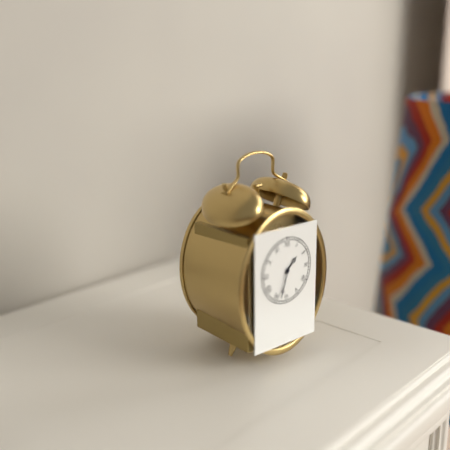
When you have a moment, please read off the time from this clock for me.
1:33
